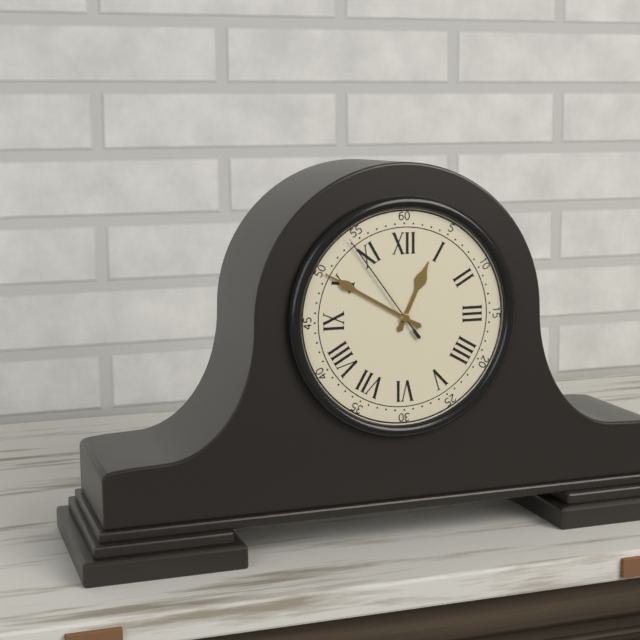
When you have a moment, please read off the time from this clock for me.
12:50:54
